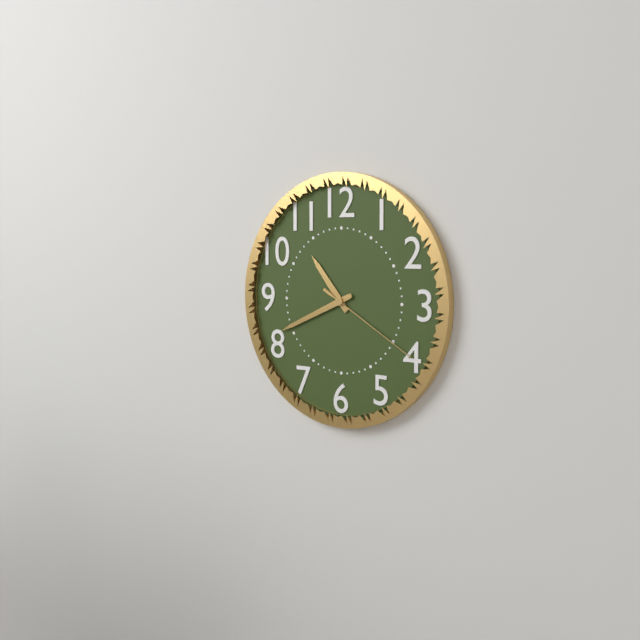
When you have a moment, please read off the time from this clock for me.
10:41:20
